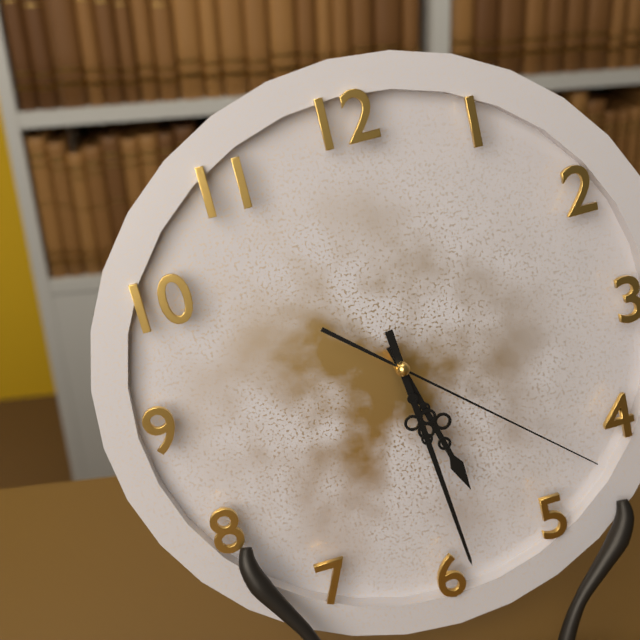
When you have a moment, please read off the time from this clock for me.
5:29:22
